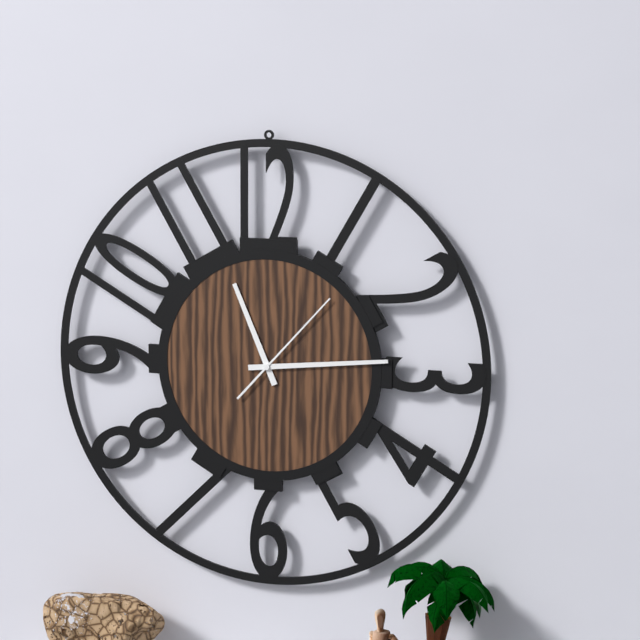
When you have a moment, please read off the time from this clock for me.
11:14:07
